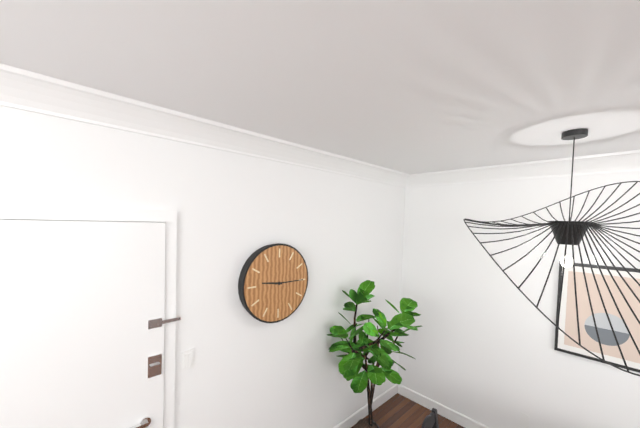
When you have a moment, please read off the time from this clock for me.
9:15
